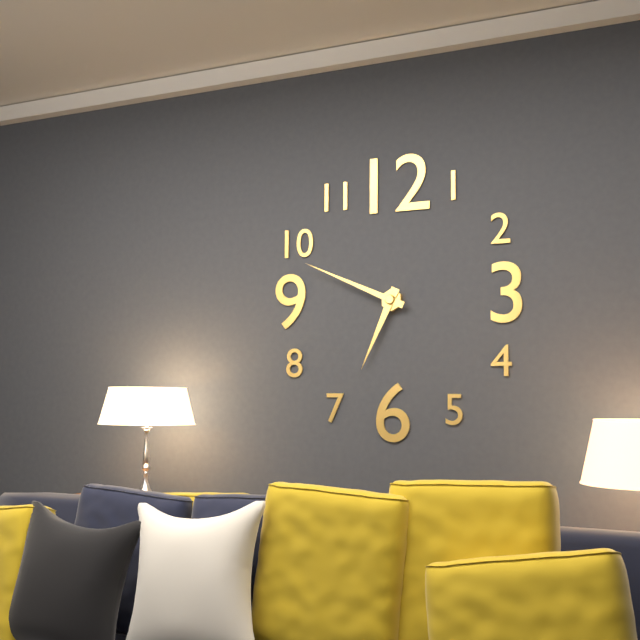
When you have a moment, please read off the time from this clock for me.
6:49
